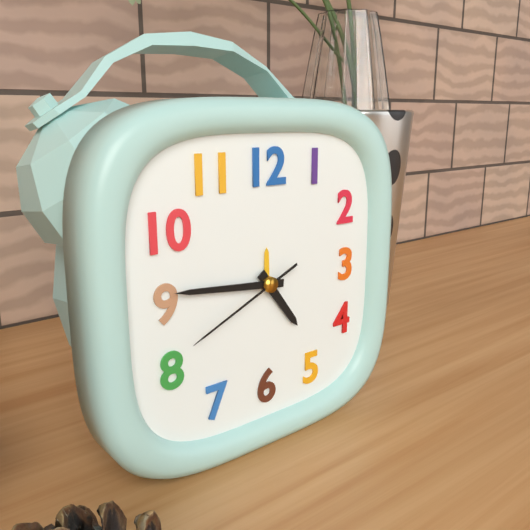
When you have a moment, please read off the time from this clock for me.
4:46:41
